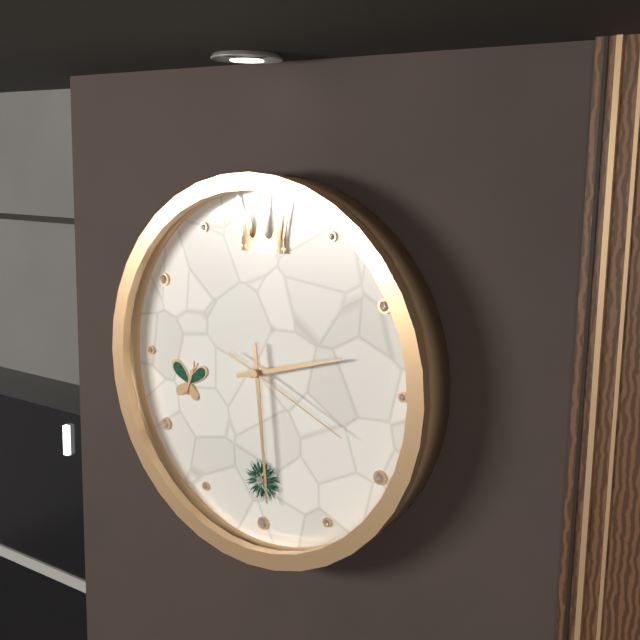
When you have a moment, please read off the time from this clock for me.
2:29:19
